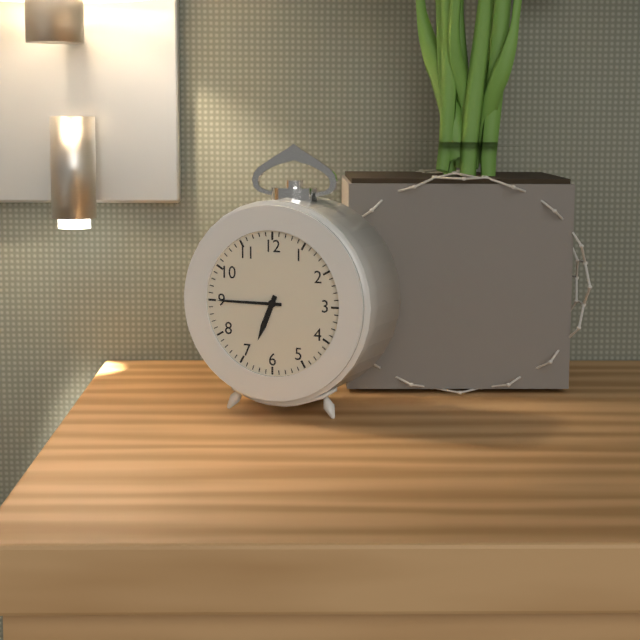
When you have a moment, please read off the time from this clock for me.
6:45
